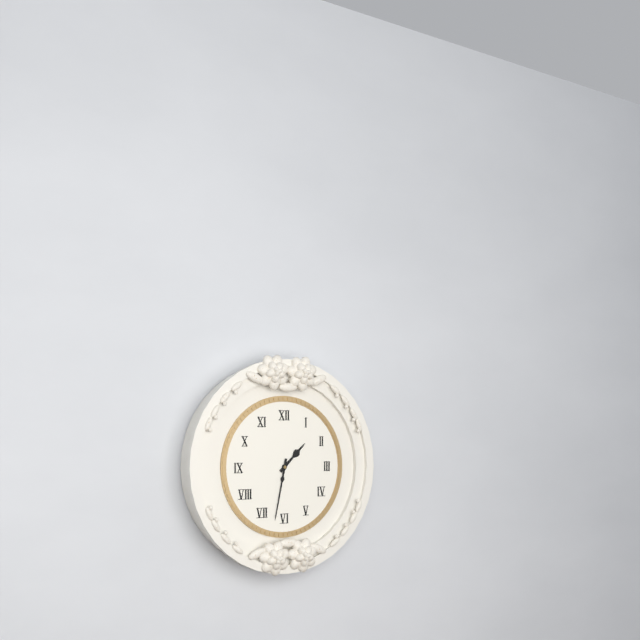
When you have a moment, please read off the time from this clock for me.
1:32
